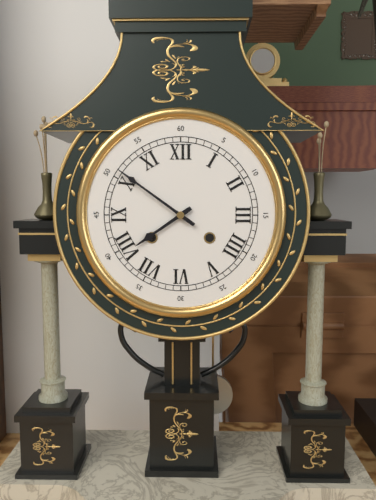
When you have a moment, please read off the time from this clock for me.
7:51
